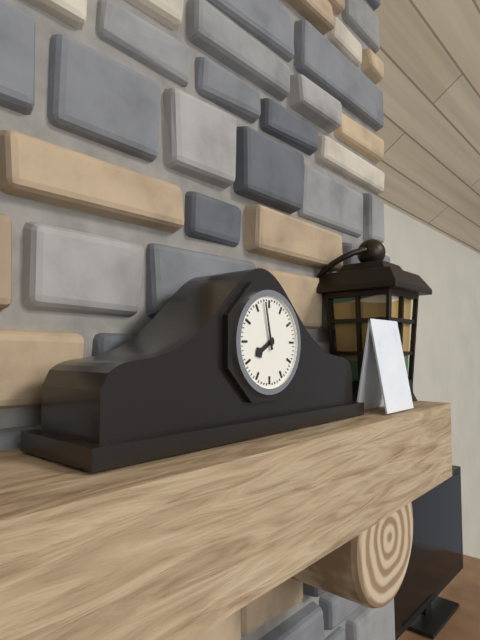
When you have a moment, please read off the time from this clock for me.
7:58
